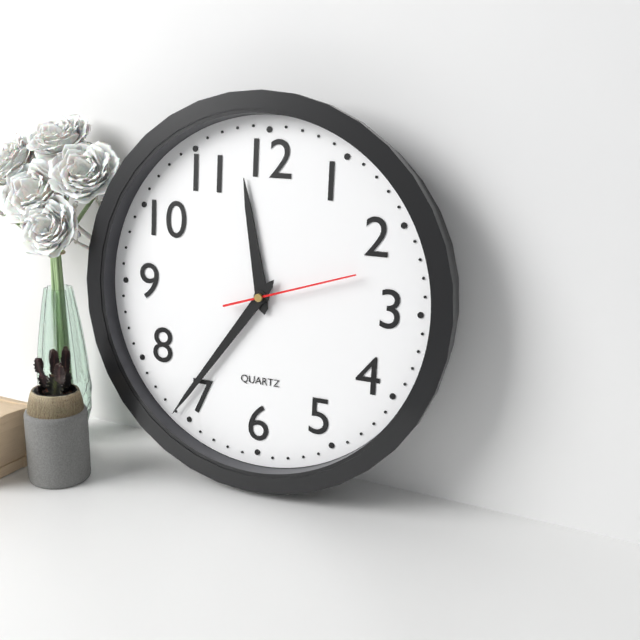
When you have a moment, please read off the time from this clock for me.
11:36:12
